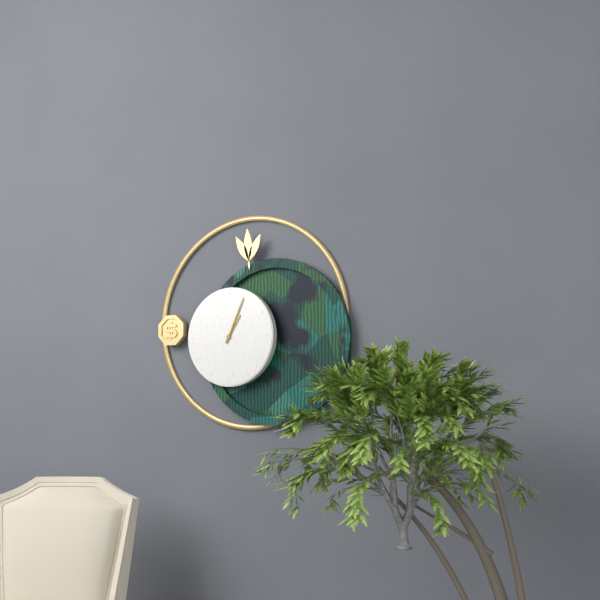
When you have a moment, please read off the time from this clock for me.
1:04
